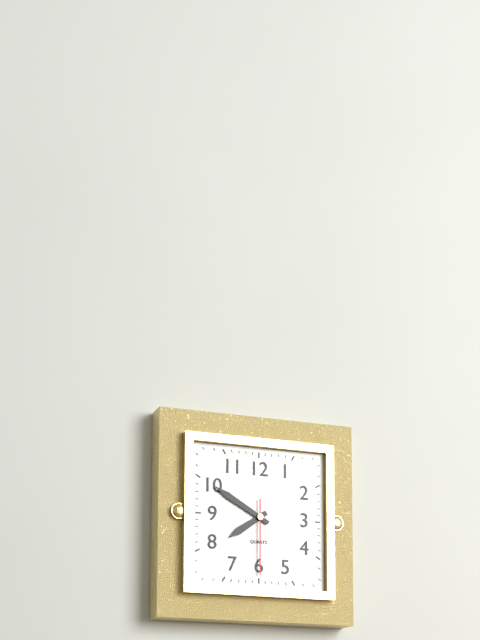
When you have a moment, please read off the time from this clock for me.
7:50:30
